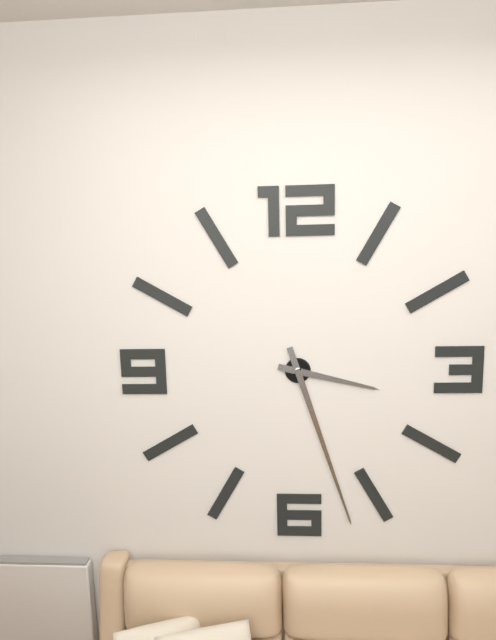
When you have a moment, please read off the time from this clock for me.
3:27
